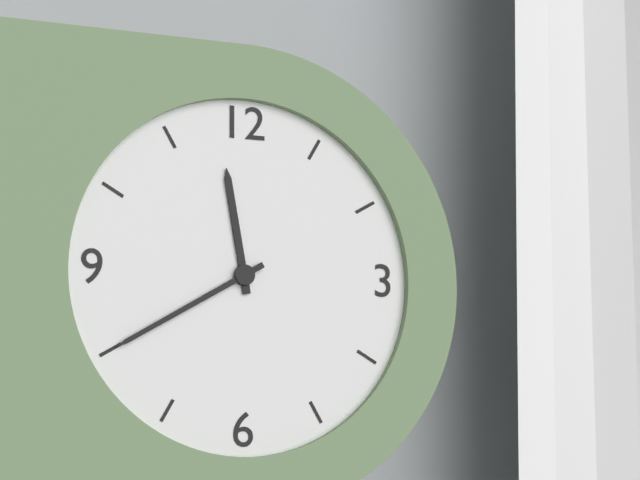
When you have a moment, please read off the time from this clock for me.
11:40
